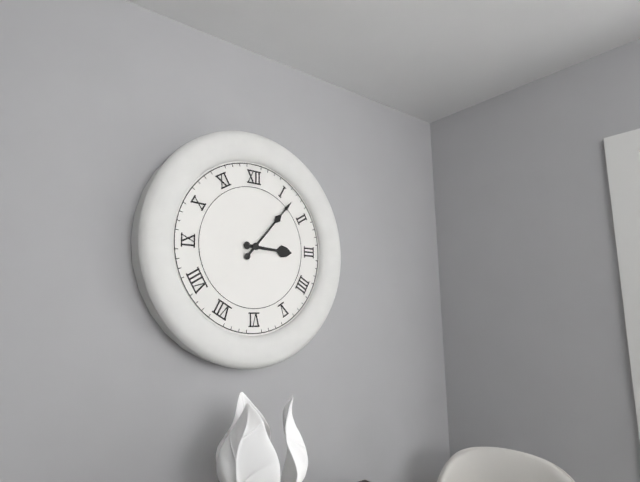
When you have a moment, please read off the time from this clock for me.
3:07
